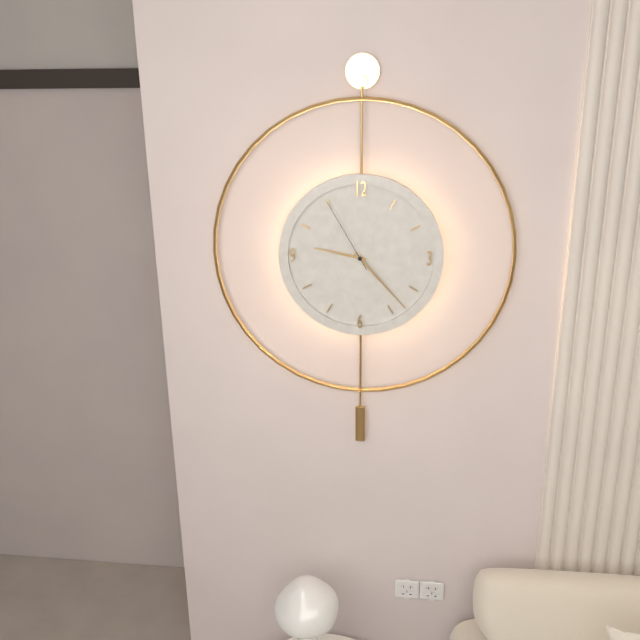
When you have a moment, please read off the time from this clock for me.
9:23:55
